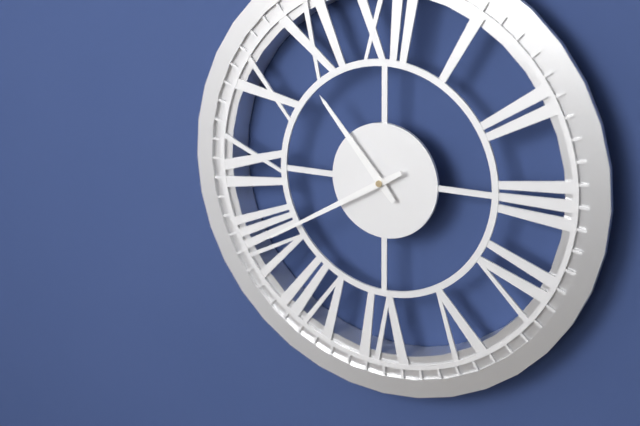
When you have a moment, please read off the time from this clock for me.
10:40
